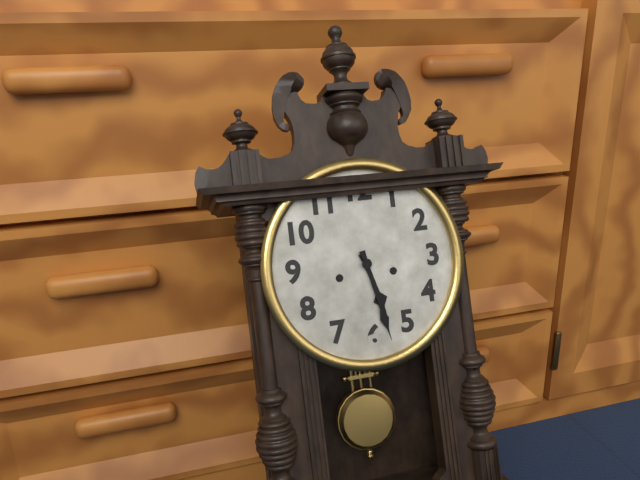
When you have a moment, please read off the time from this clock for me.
5:28
